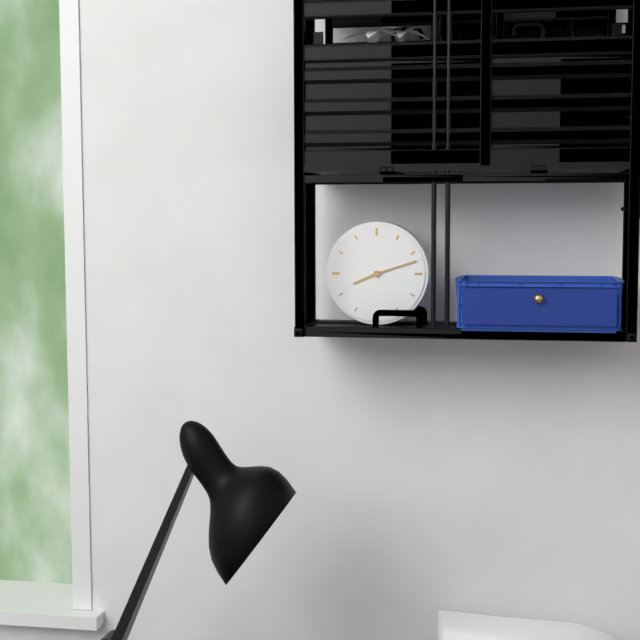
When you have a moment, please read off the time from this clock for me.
8:12
